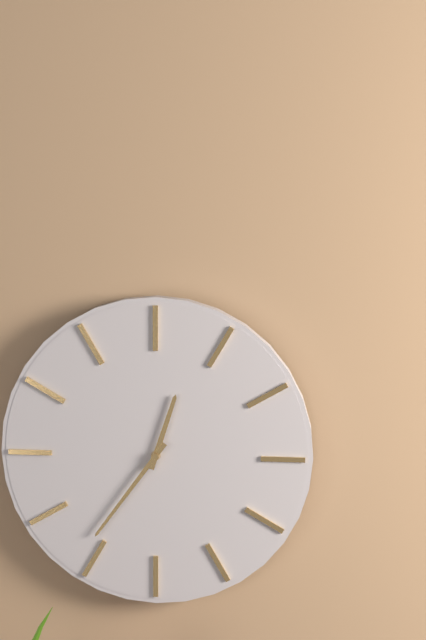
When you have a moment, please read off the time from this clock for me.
12:36
